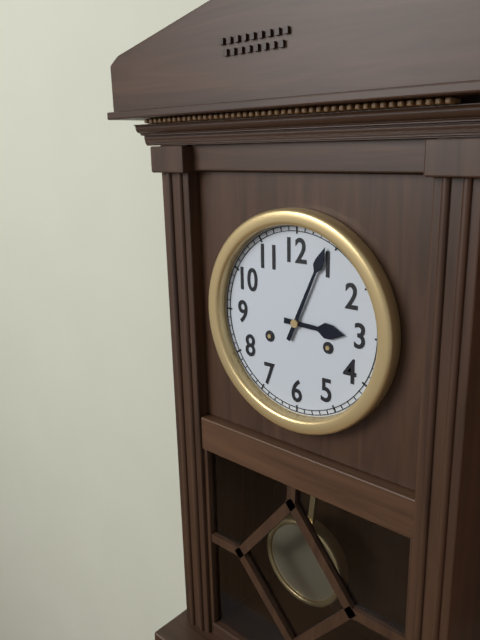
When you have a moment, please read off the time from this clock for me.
3:04
